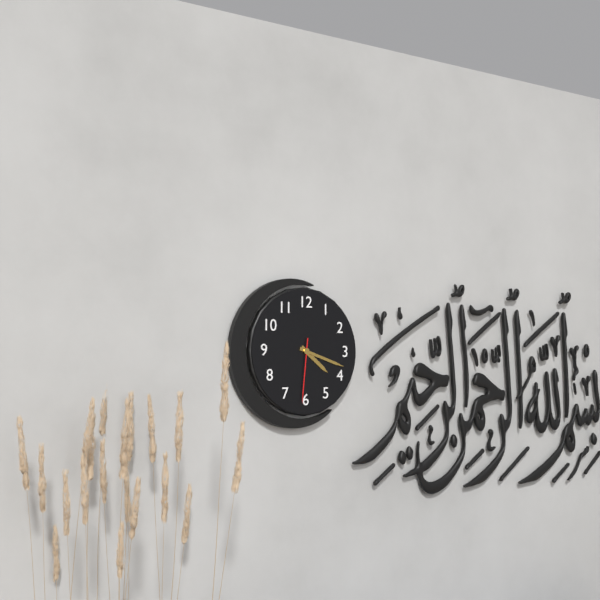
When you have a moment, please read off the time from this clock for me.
4:18:31
